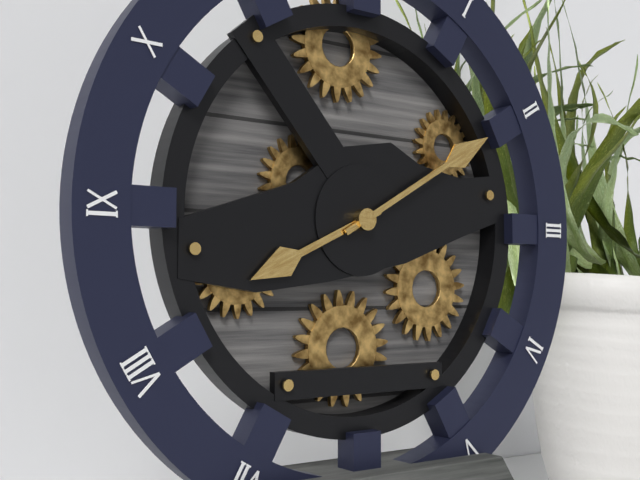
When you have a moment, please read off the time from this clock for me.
8:10
